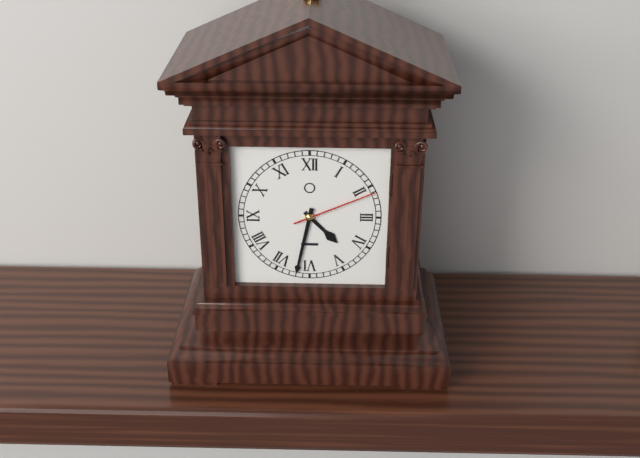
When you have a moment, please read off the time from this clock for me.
4:32:11
